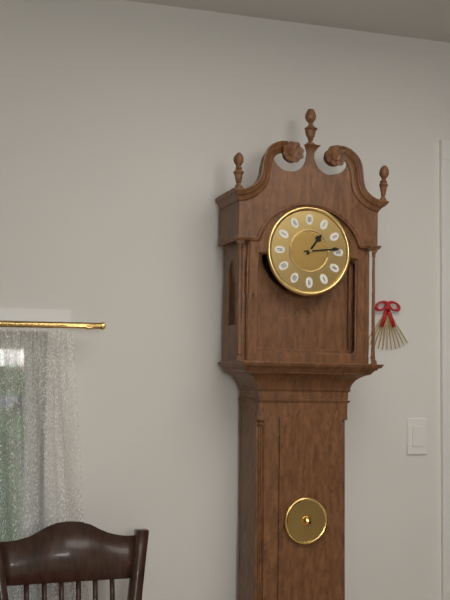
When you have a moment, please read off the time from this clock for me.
1:14
